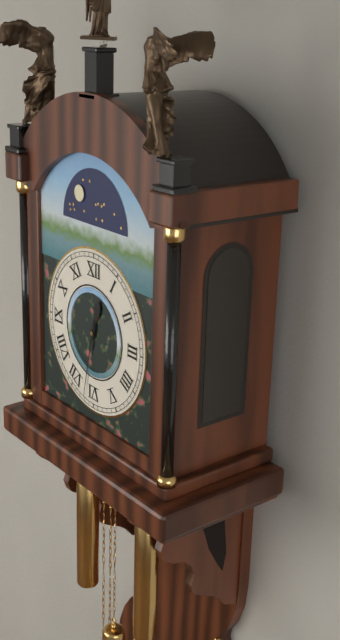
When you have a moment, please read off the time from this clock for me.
12:32
